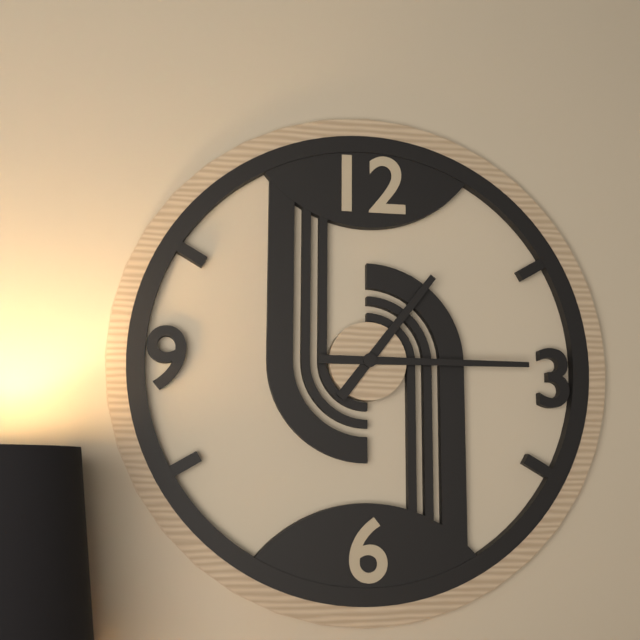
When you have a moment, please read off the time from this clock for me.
1:15
